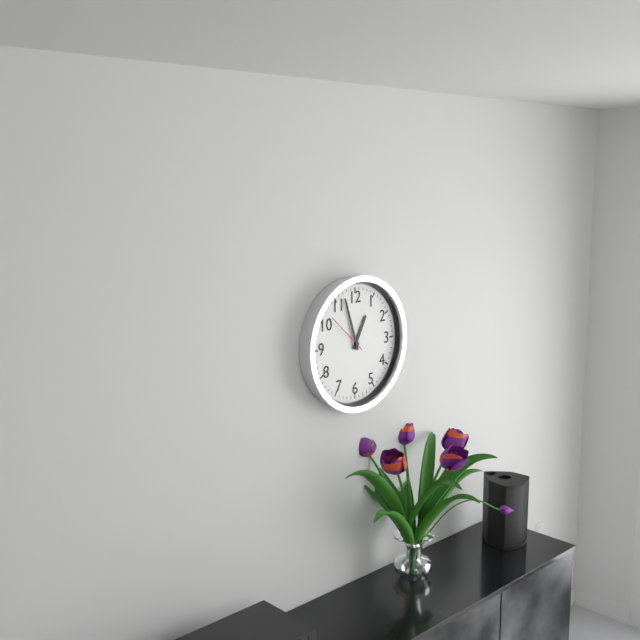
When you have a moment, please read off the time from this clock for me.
12:57
